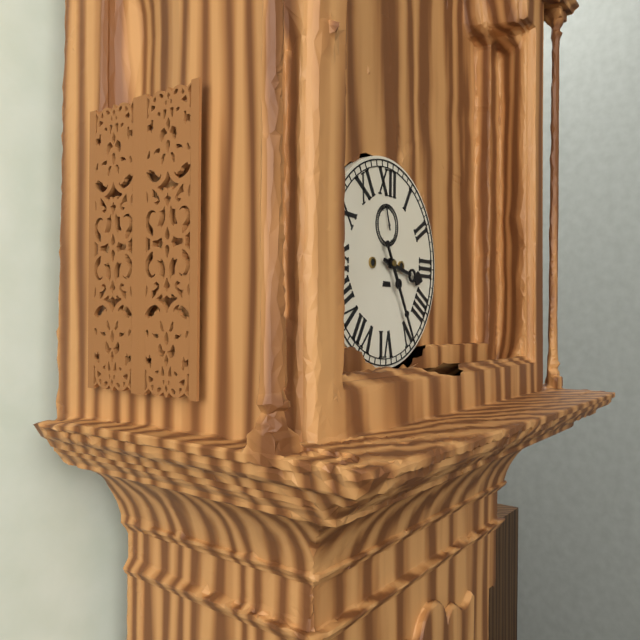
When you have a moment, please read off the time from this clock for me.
3:25
